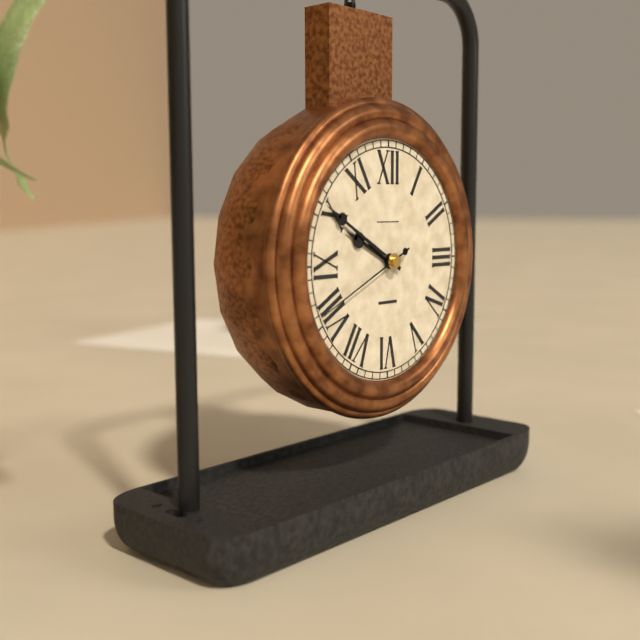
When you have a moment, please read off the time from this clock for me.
9:50:41
